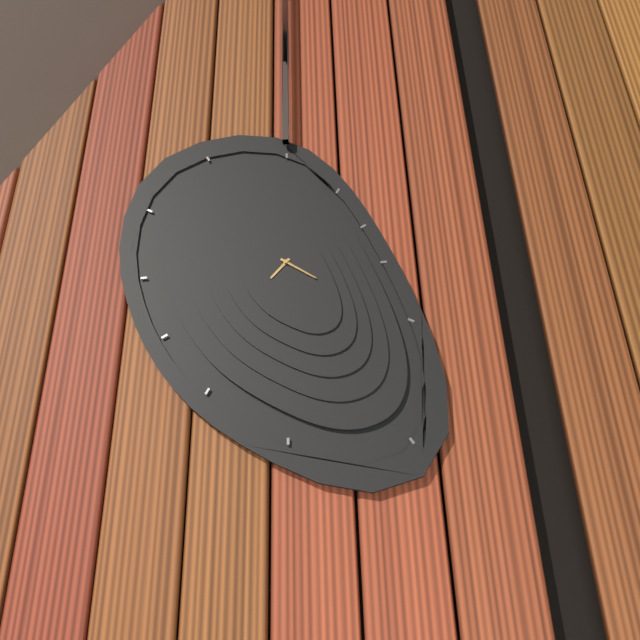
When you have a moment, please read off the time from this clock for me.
7:21
